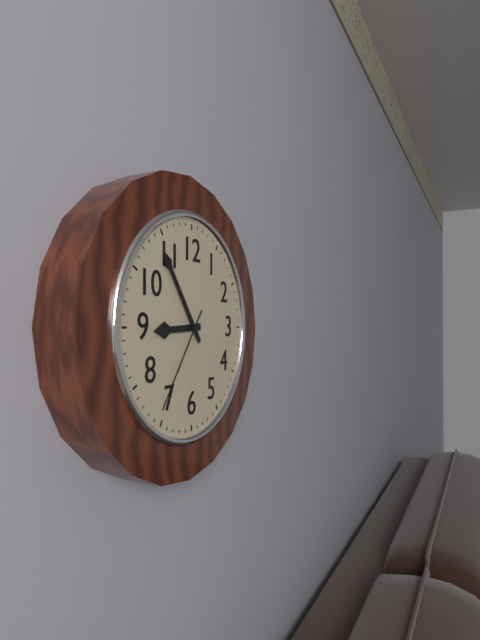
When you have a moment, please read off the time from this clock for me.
8:54:36
